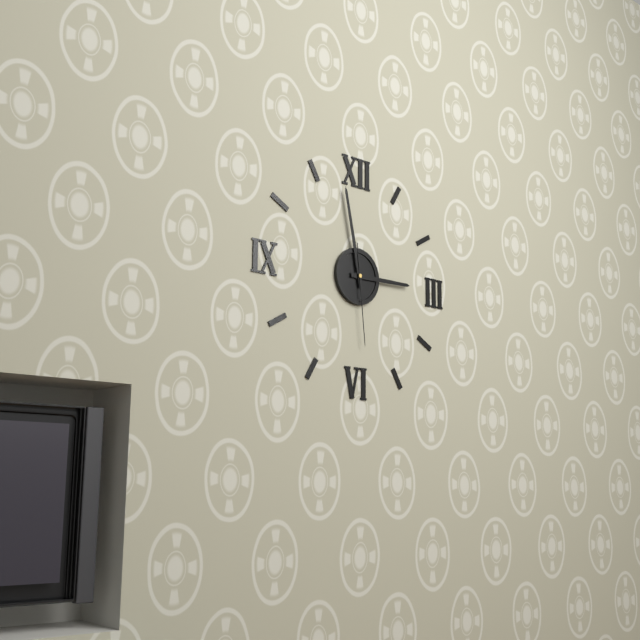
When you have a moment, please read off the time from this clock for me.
2:58:29
